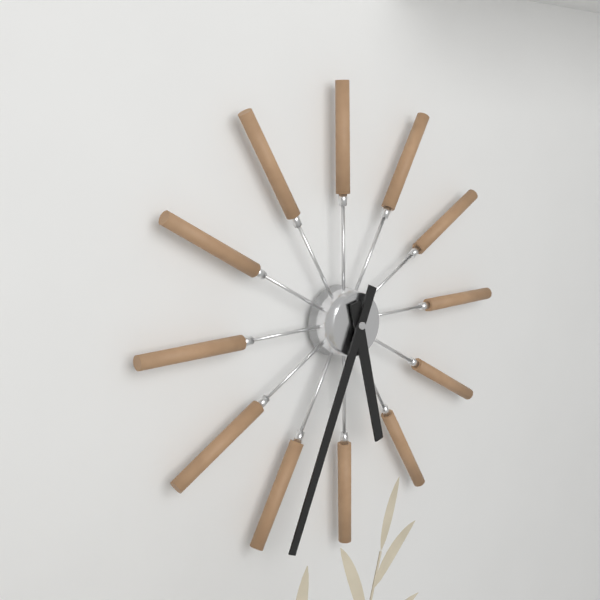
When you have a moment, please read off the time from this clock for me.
5:34
